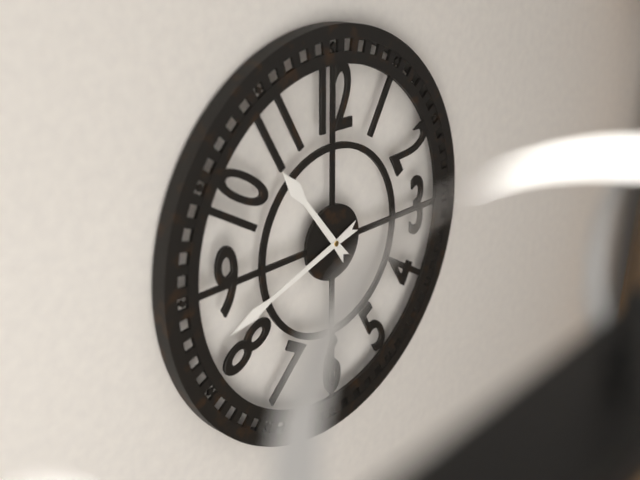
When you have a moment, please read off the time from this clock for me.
10:42
